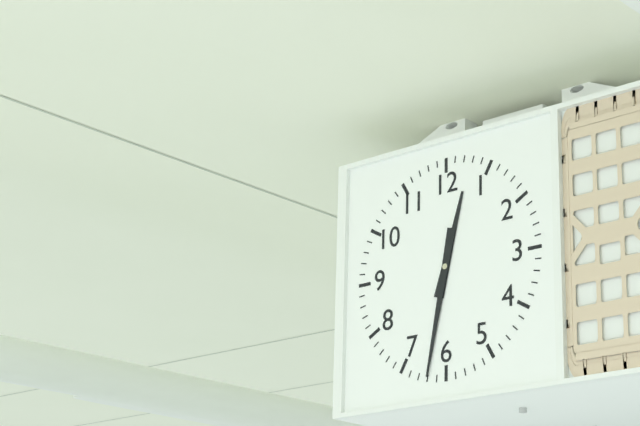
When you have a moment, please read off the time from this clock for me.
12:32
